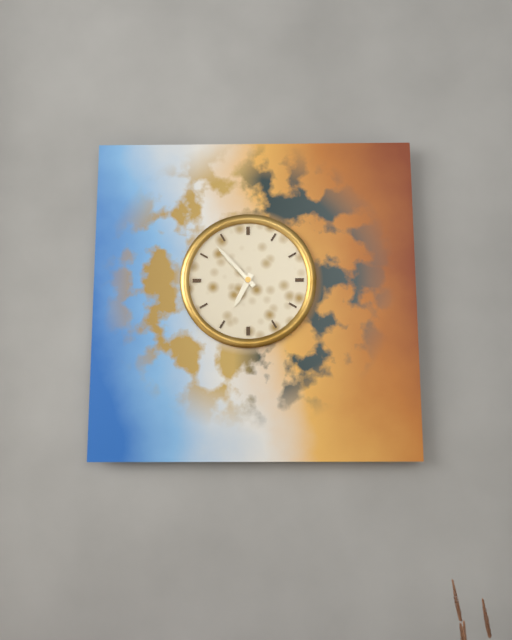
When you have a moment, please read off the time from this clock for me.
6:53
